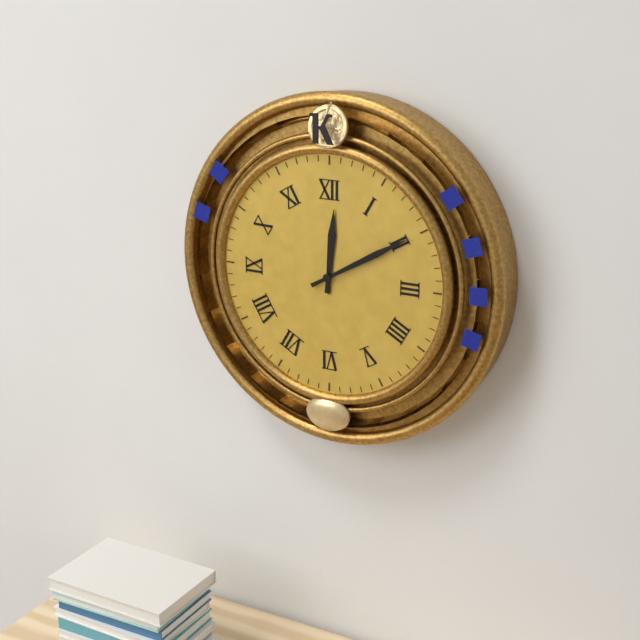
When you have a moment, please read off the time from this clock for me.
12:10
